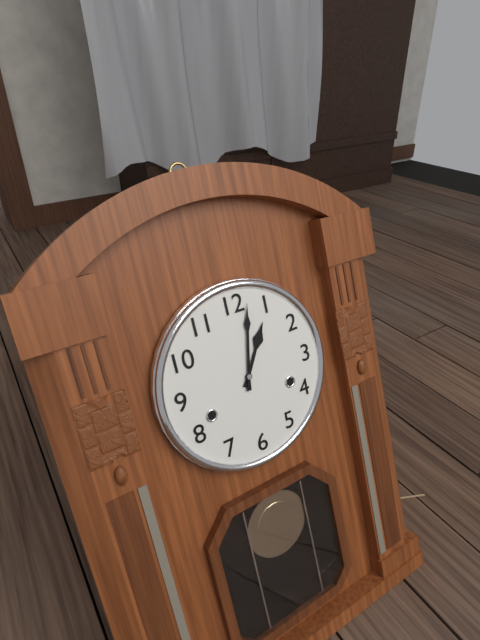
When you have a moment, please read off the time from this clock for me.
1:02
